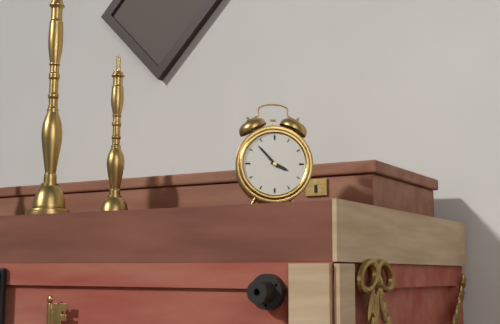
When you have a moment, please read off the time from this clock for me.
3:53
